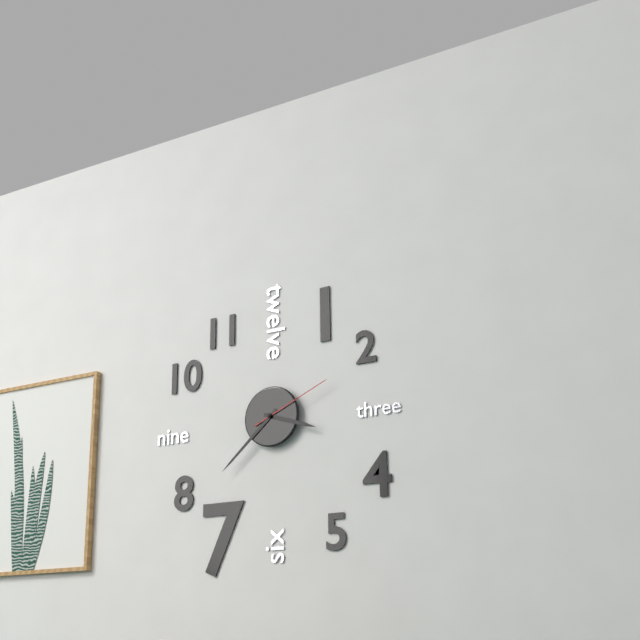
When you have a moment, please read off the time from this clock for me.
3:38:11
